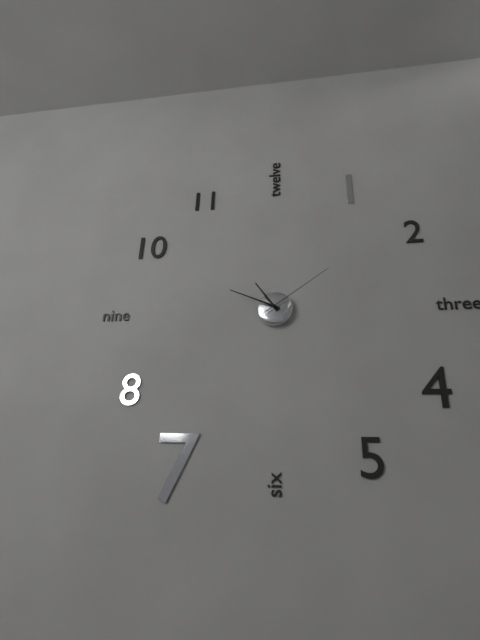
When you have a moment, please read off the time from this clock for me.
10:49:09
